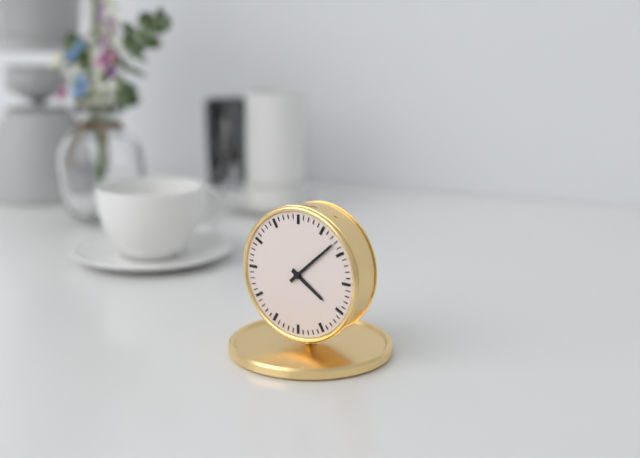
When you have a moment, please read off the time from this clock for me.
4:08
